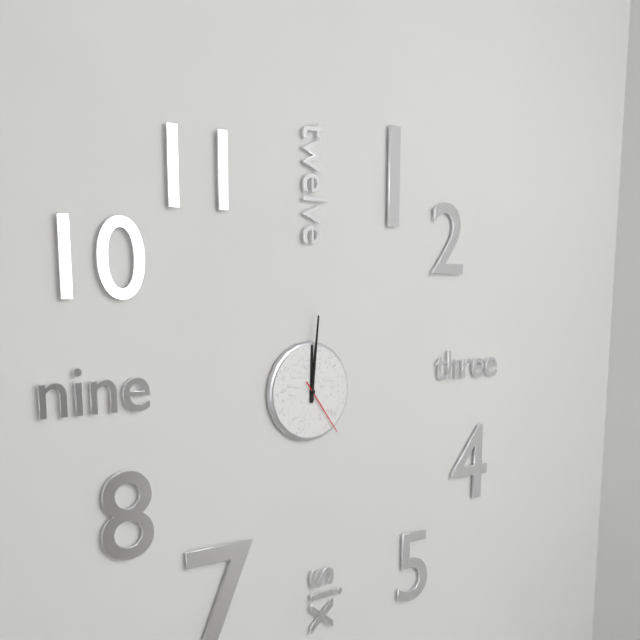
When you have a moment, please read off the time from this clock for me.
12:01:24
